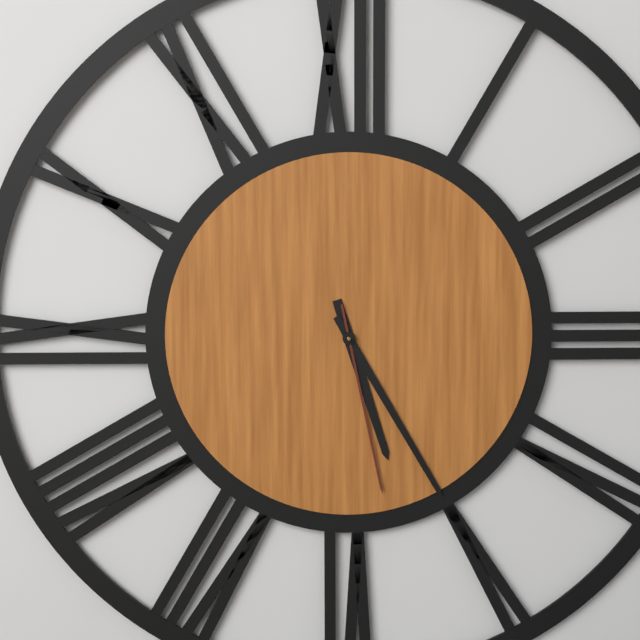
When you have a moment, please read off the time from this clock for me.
5:25:28
